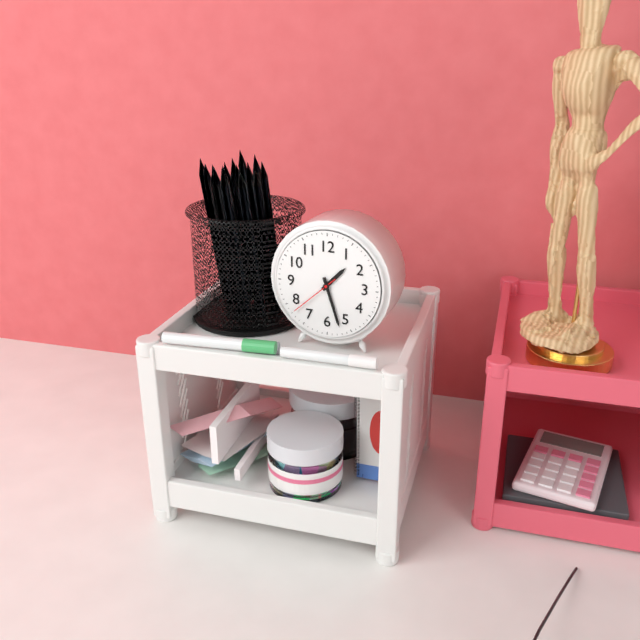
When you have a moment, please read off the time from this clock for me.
1:27:38
